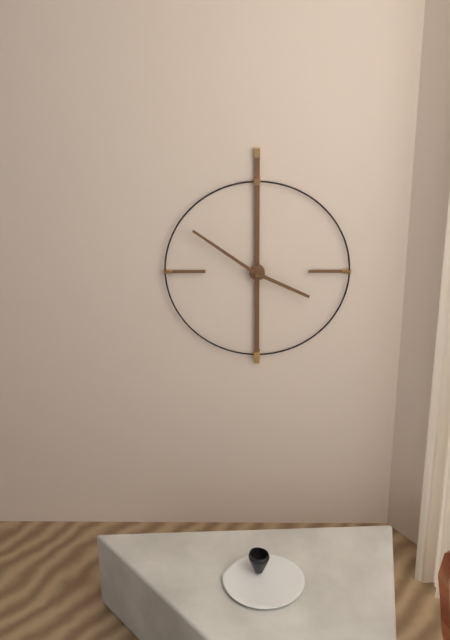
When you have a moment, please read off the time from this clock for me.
3:51
